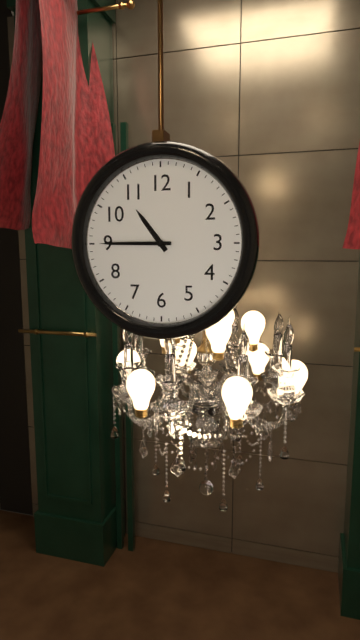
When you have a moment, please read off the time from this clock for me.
10:45
